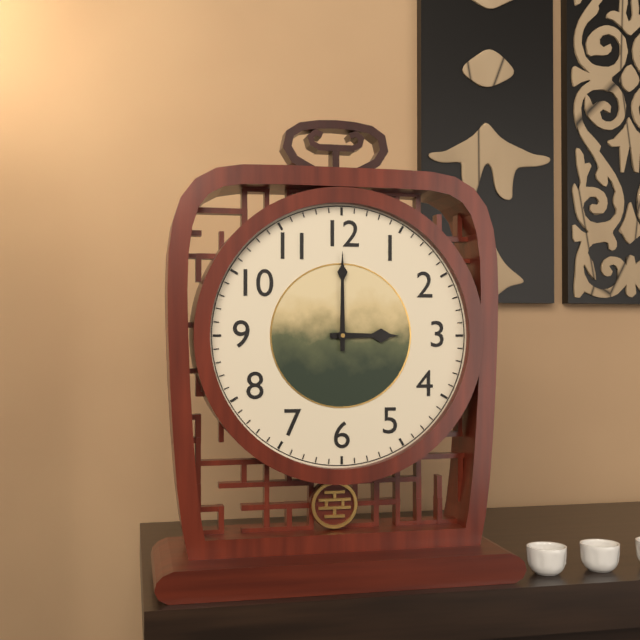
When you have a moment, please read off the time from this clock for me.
3:00
